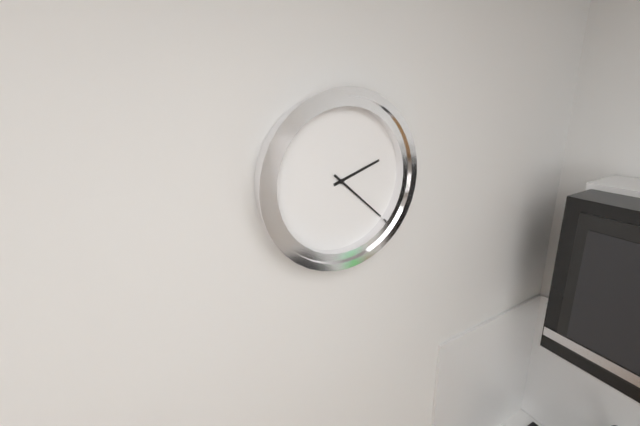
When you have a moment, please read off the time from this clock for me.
2:22
